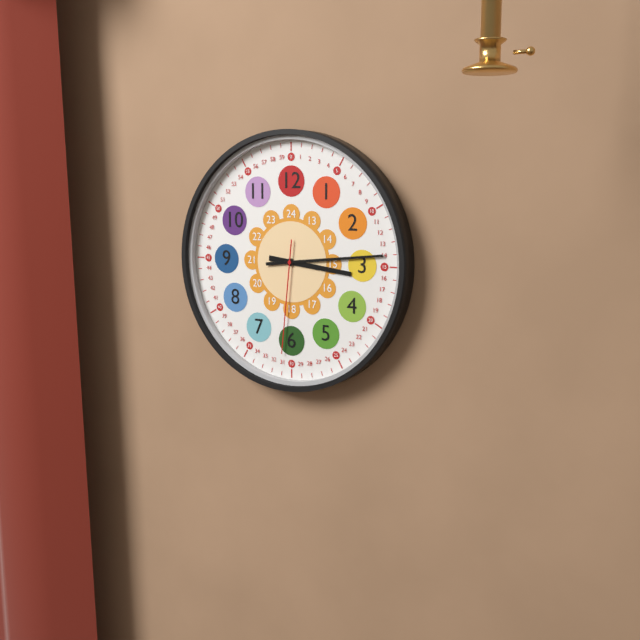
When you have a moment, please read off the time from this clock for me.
3:14:31
